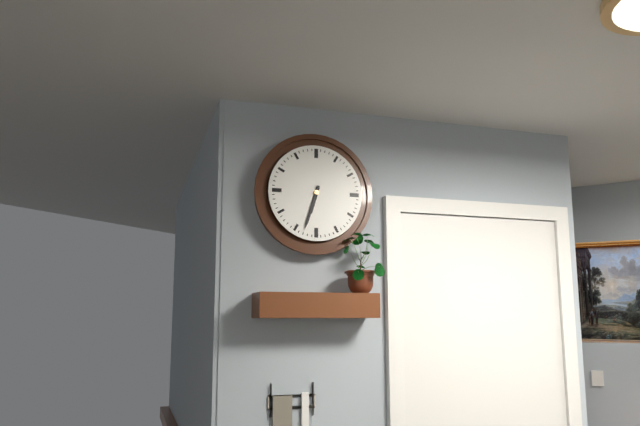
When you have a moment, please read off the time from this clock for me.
6:33
